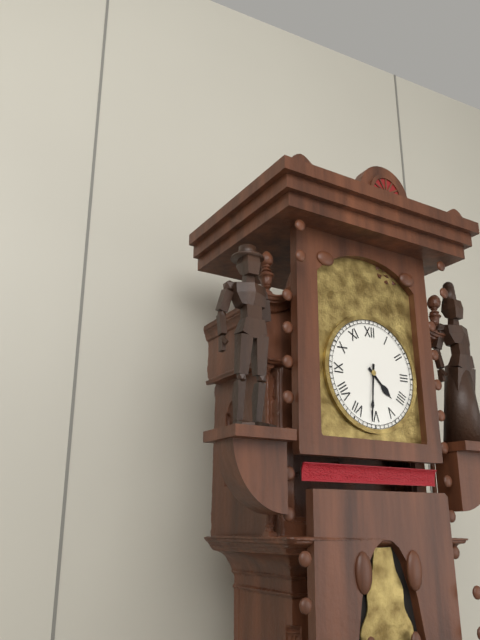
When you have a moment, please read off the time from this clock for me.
4:31
